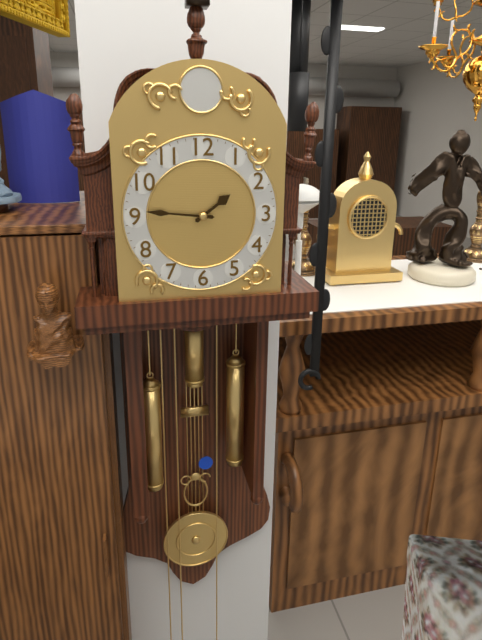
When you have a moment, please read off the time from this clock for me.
1:46
